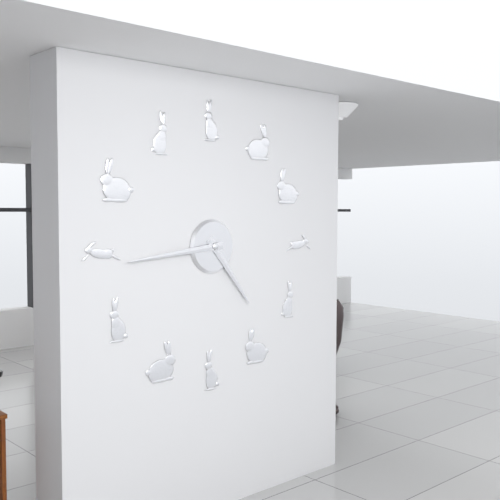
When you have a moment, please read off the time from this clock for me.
4:44
